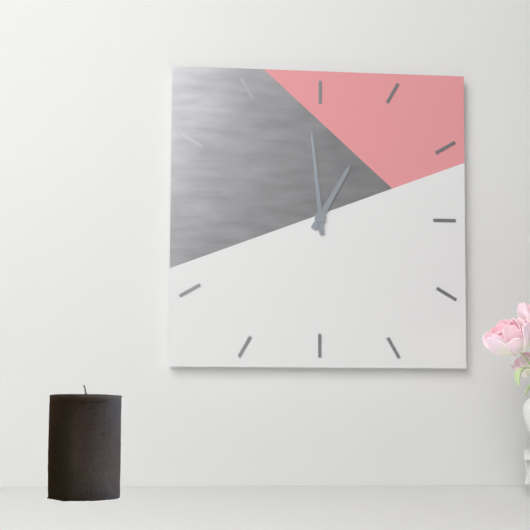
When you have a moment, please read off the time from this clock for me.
12:59
